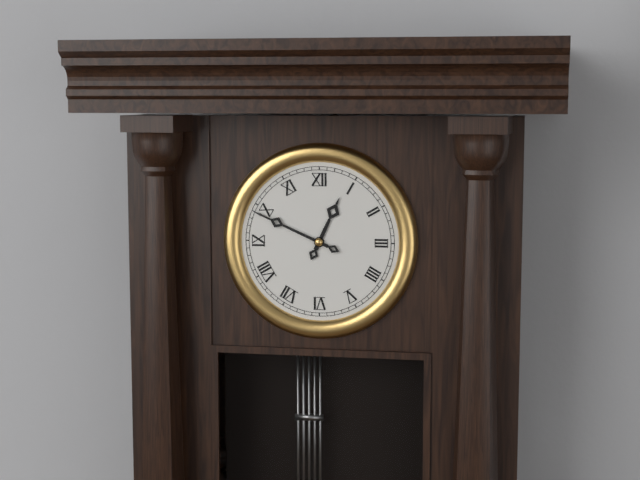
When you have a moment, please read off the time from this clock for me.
12:49
